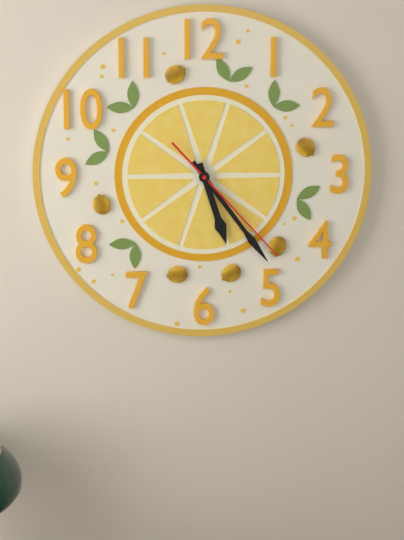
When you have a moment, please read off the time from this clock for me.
5:24:23
